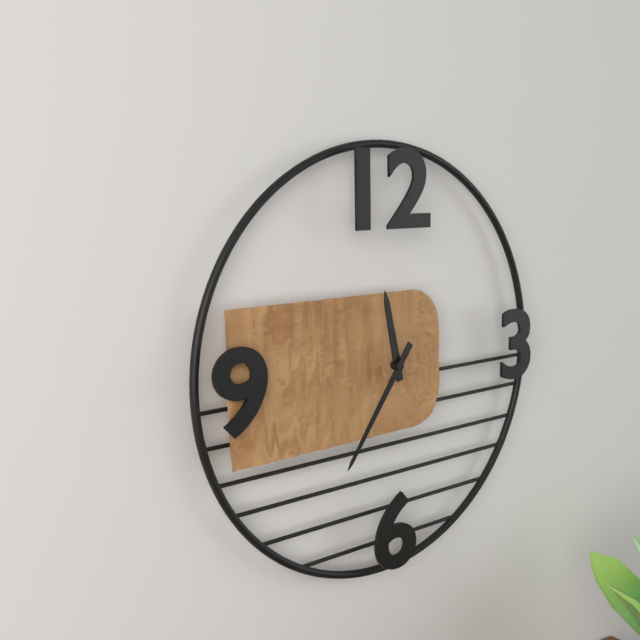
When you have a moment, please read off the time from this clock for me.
11:36
